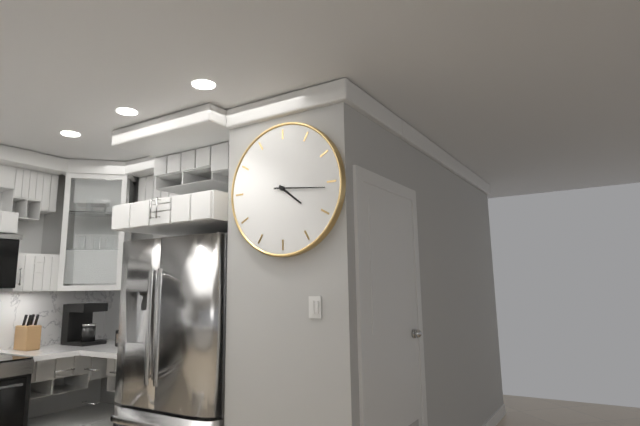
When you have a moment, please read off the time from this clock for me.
4:16
